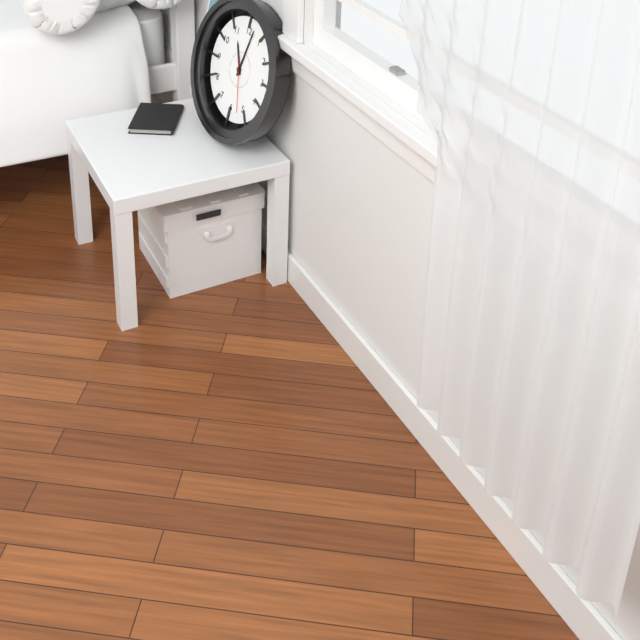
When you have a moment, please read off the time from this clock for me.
11:02:27
